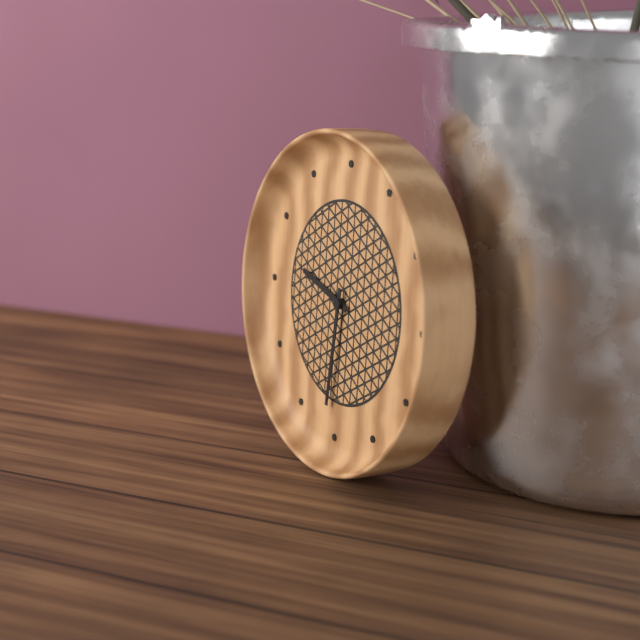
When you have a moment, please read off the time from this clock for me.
9:31
